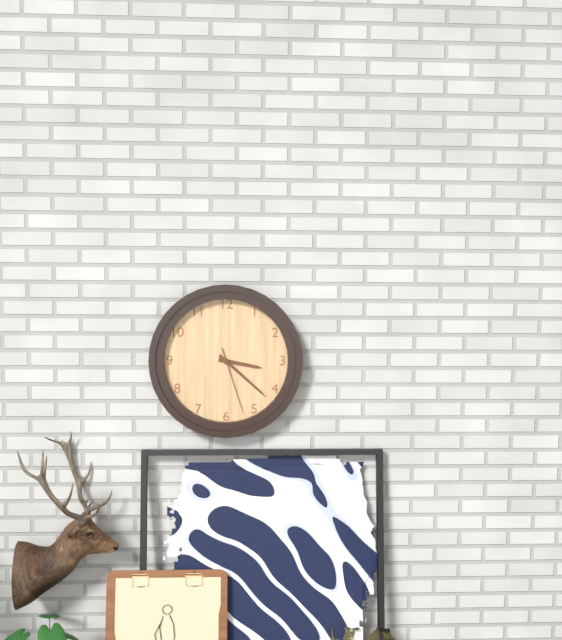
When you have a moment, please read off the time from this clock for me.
3:22:27
